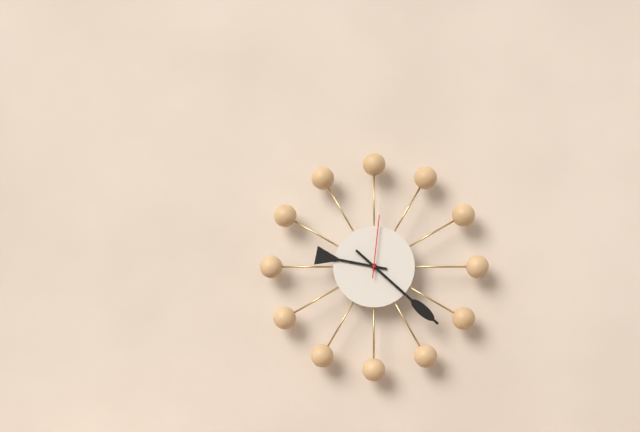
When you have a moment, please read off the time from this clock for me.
9:22:01
